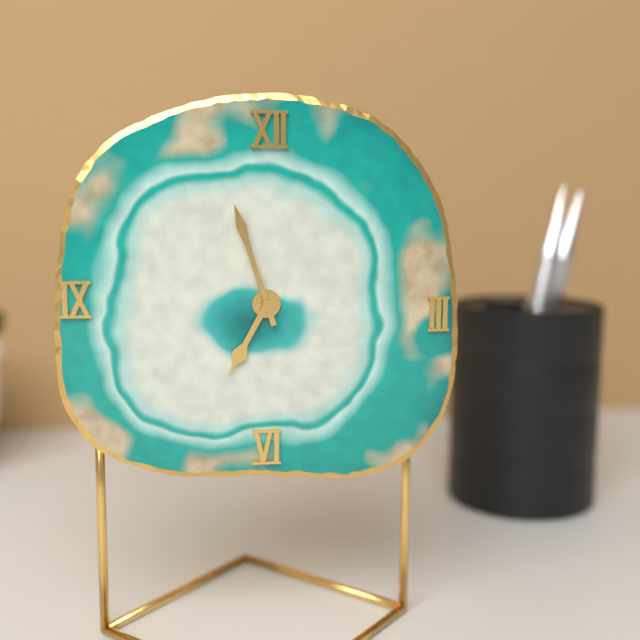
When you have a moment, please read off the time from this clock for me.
6:57
